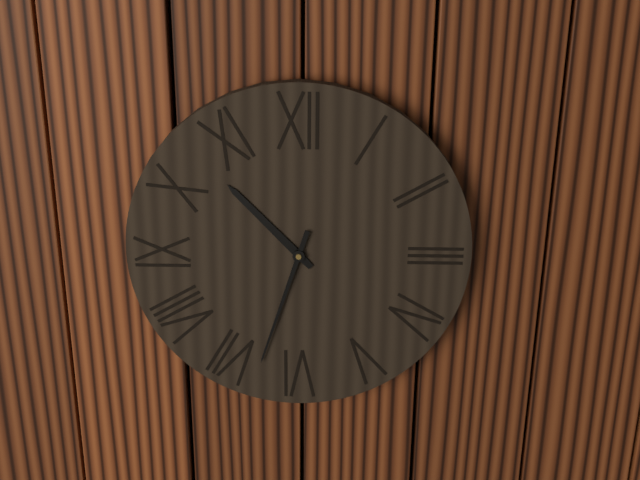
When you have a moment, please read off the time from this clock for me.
10:33
